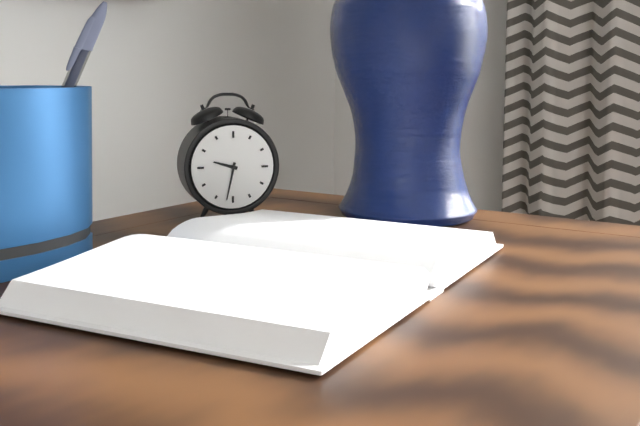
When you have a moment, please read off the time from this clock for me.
9:32
